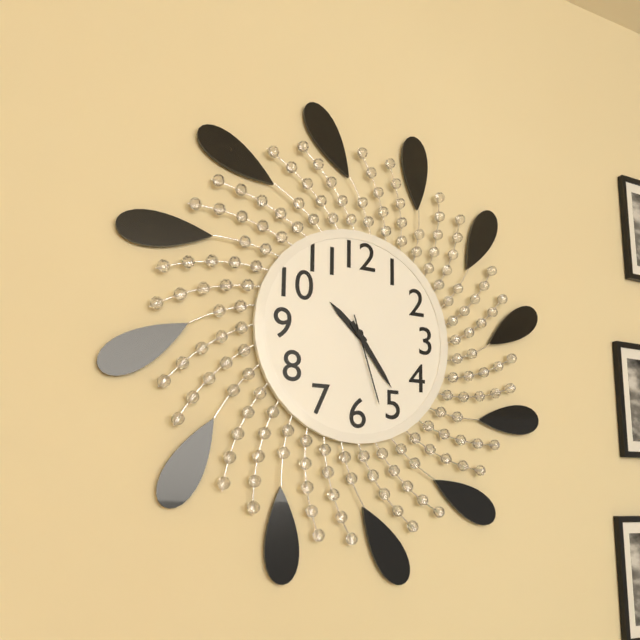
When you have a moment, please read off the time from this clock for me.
10:24:27
